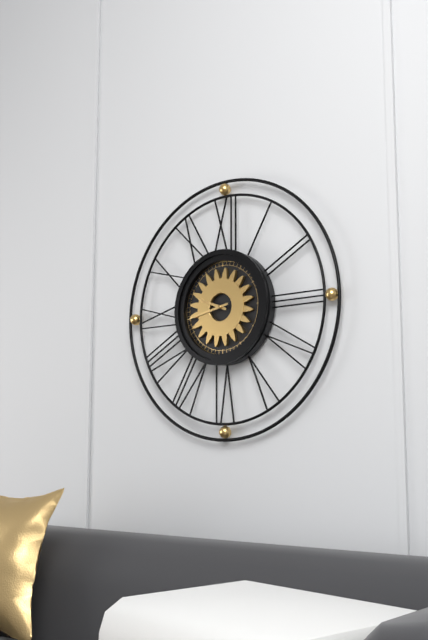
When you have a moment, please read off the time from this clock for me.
9:43
